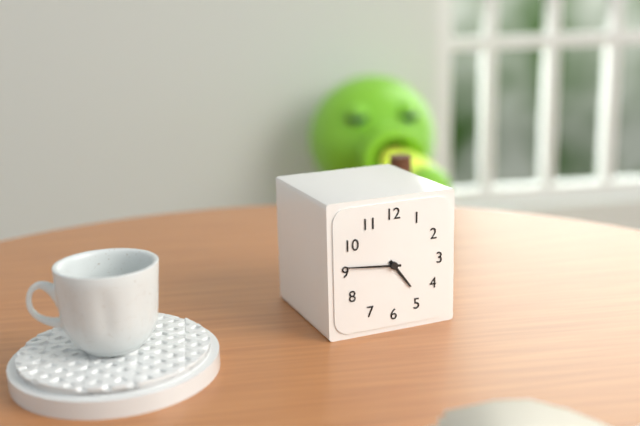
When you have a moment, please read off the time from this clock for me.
4:46
